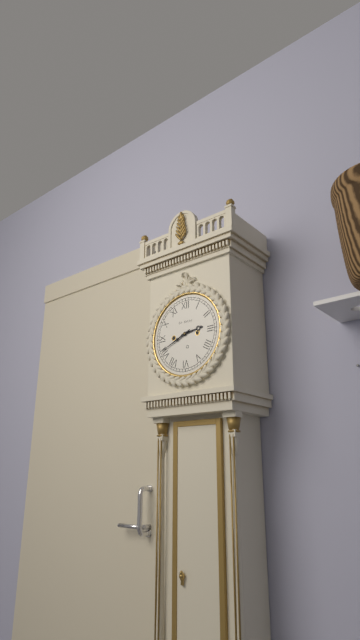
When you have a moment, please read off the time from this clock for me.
2:41
